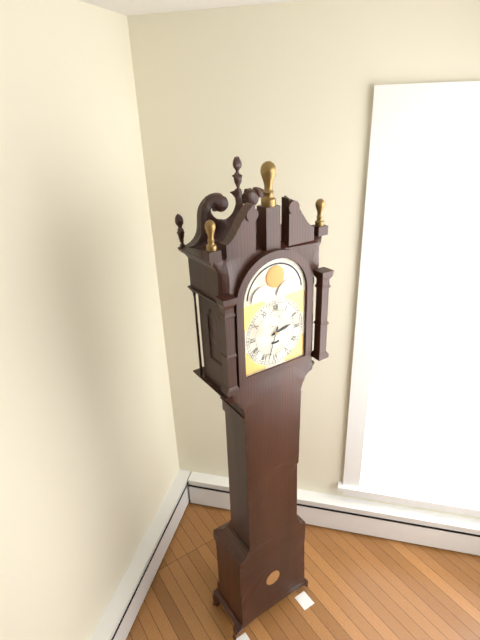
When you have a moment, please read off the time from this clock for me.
2:33
